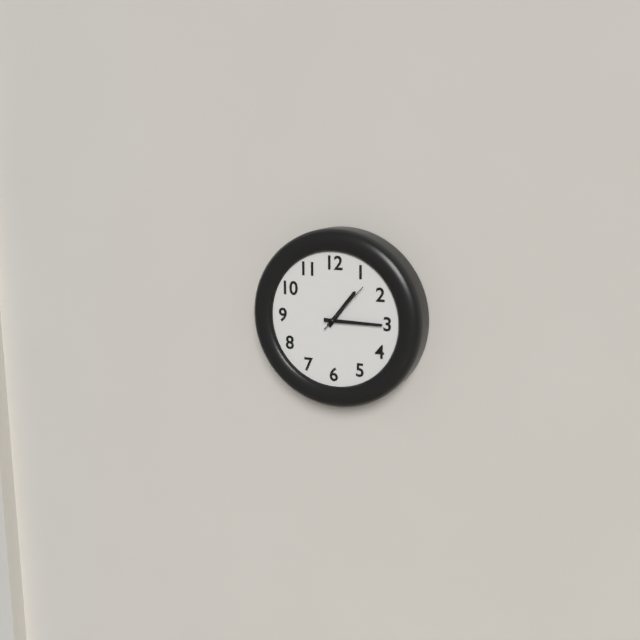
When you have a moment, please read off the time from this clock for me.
1:15:07
